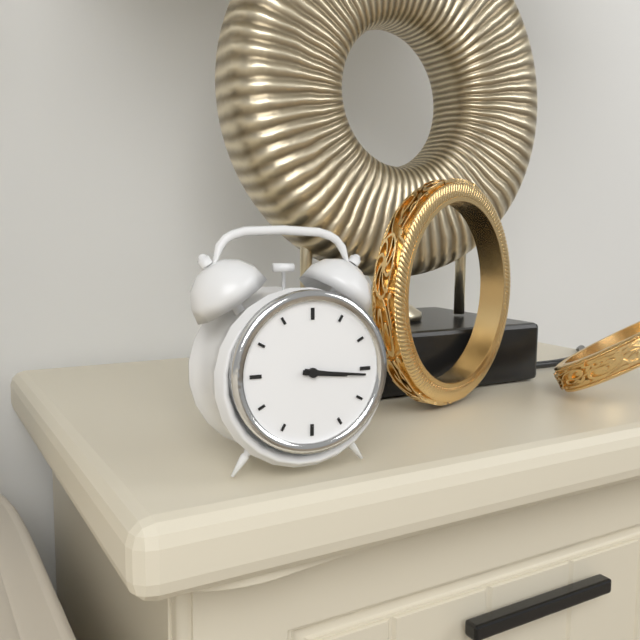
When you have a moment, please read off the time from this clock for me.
3:16
